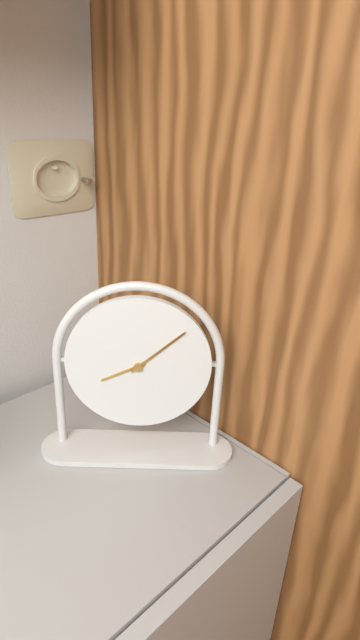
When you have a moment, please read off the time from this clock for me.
8:08
